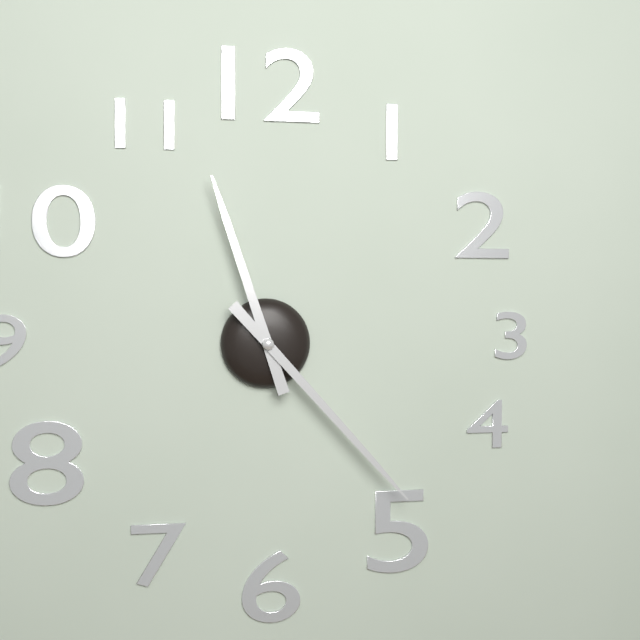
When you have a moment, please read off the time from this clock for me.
11:23
